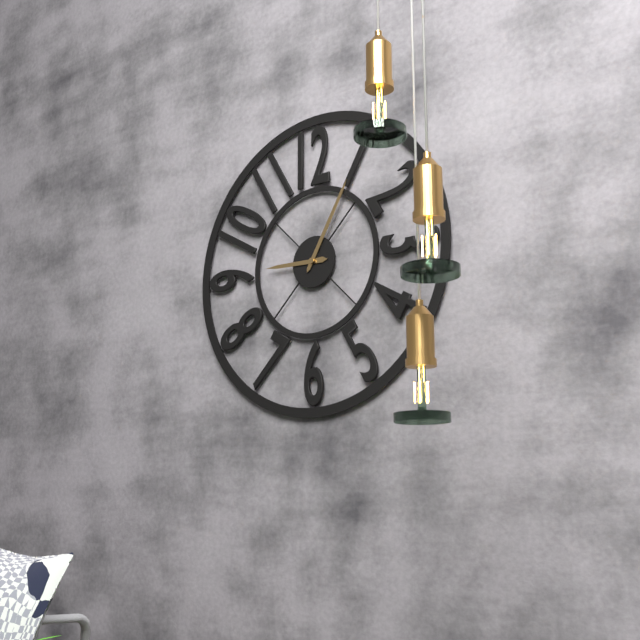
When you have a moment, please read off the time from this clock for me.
9:05
